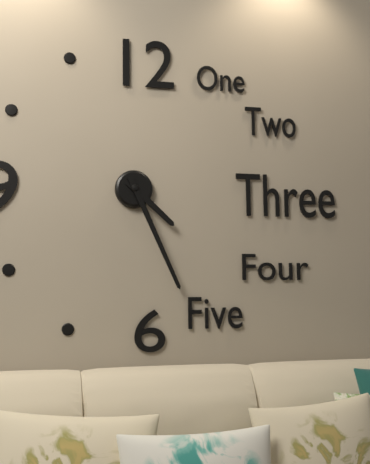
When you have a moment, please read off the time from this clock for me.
4:26
